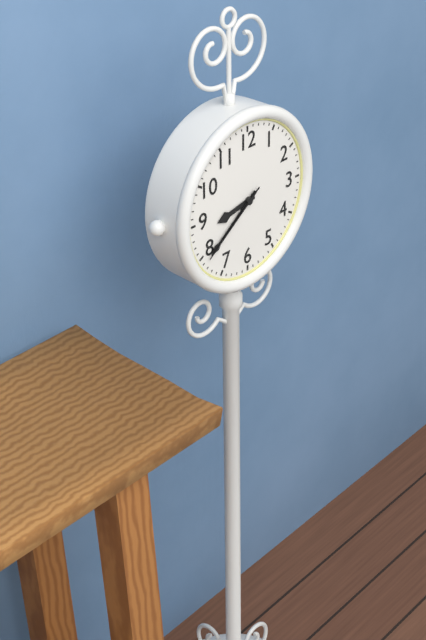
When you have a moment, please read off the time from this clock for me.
8:39:39
